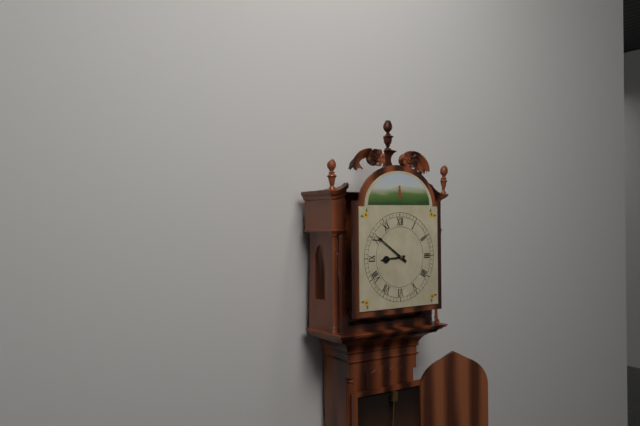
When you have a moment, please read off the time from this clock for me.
8:51
